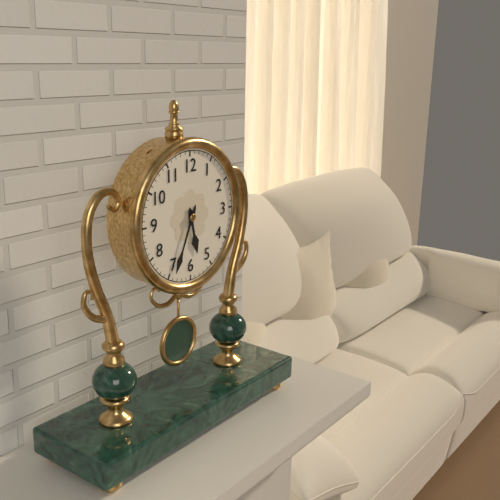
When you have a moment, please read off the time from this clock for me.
5:34
